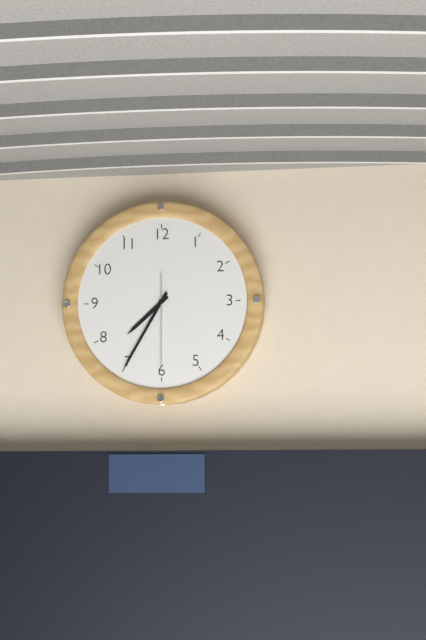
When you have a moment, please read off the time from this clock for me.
7:35:30
